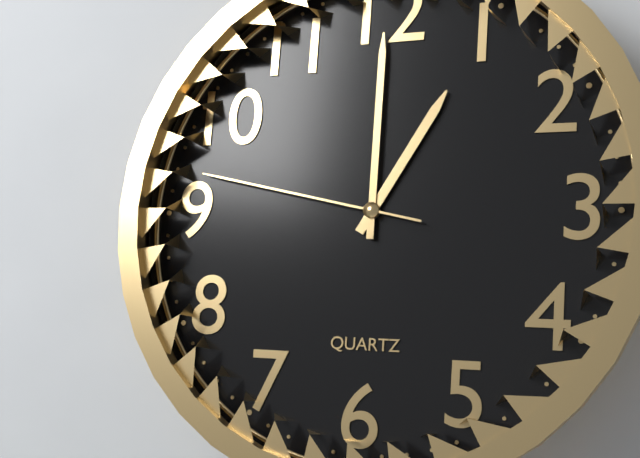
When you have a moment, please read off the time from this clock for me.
1:00:47
